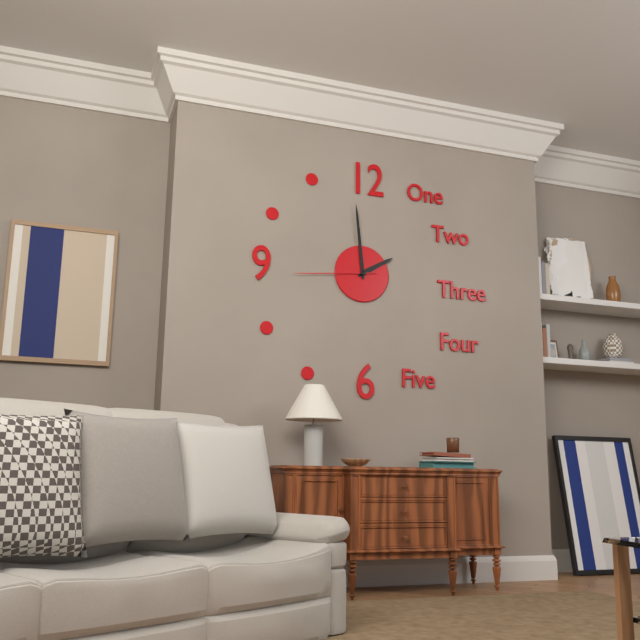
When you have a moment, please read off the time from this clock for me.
1:59:44
